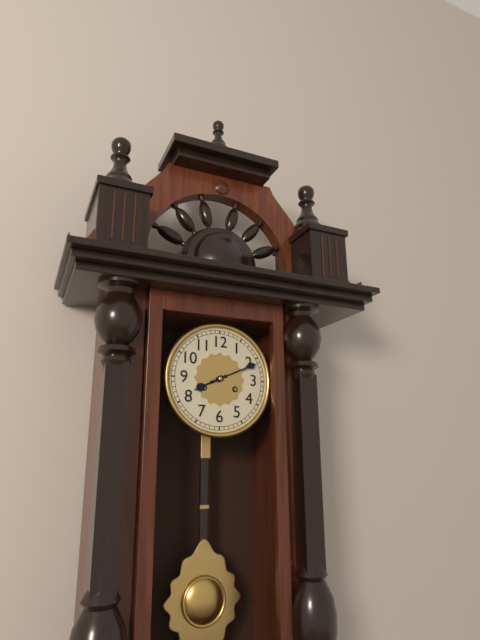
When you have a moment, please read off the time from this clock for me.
8:11
